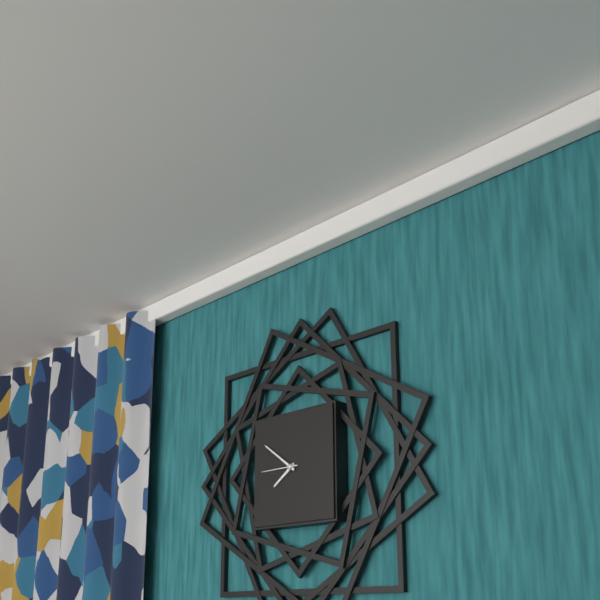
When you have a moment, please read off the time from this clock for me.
7:51
